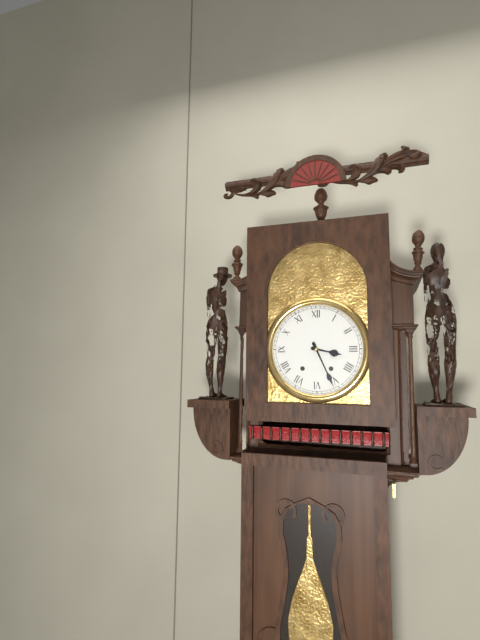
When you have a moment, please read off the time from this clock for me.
3:26
